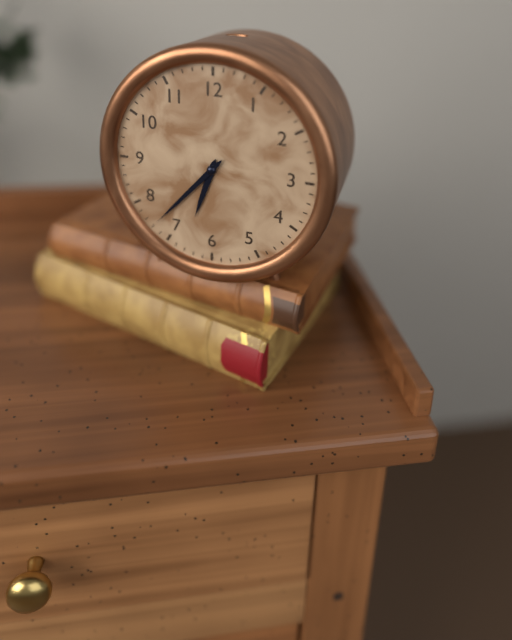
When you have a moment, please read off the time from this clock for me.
6:37
